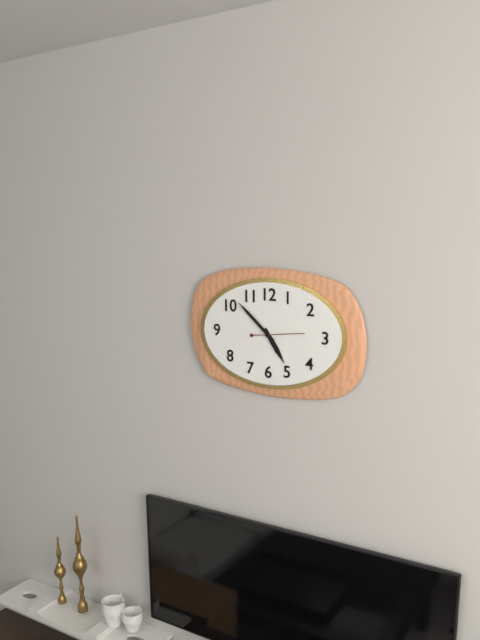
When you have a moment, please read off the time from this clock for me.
4:52
